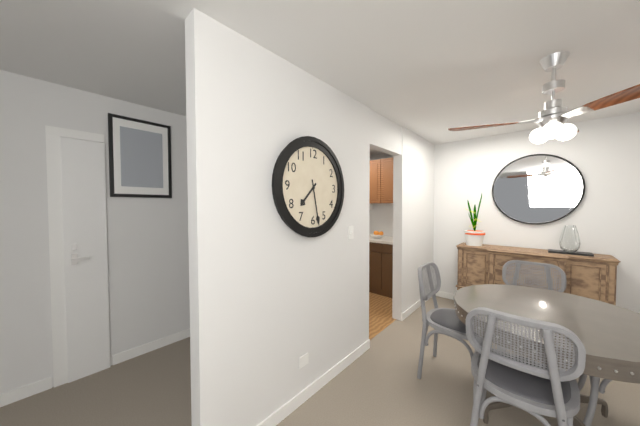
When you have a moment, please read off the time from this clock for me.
7:28
